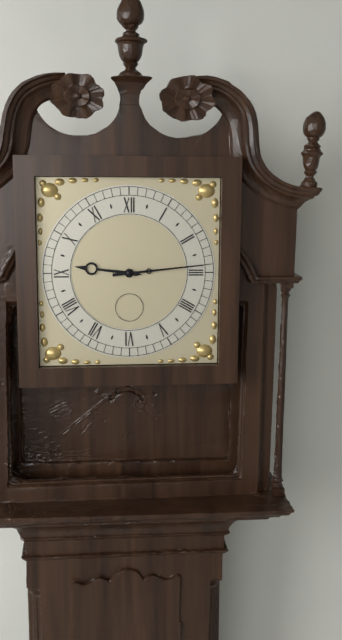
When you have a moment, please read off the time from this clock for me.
9:14
